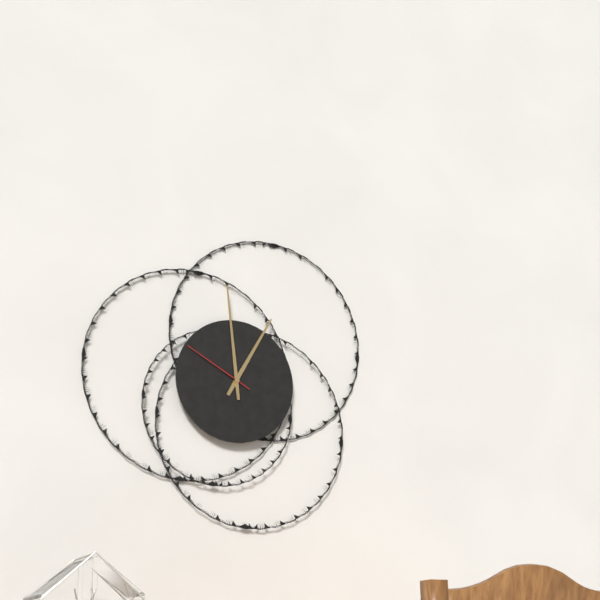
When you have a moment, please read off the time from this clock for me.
12:59:50
